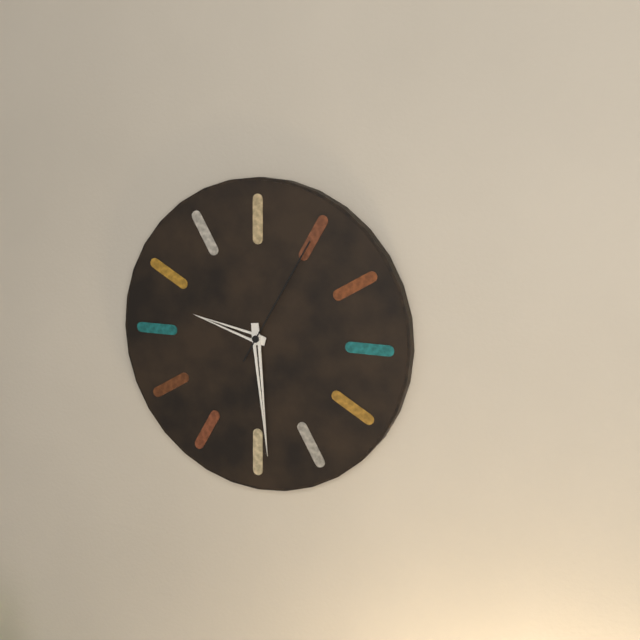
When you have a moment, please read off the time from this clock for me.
9:29:05
